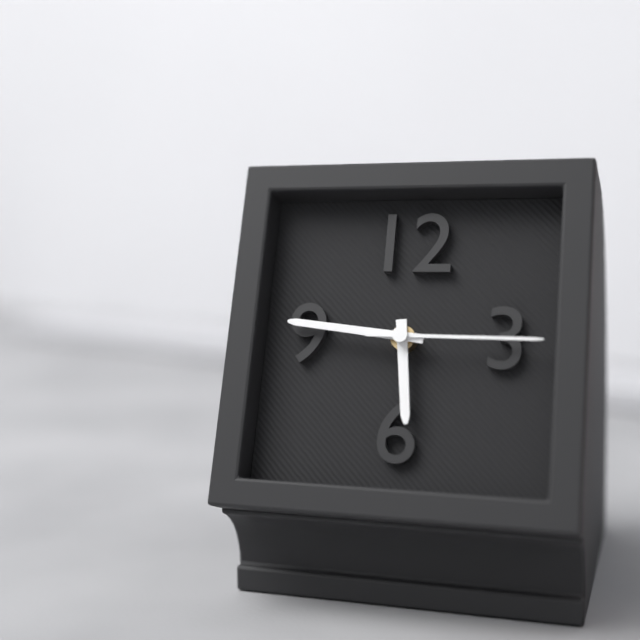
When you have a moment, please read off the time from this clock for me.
5:46:15
